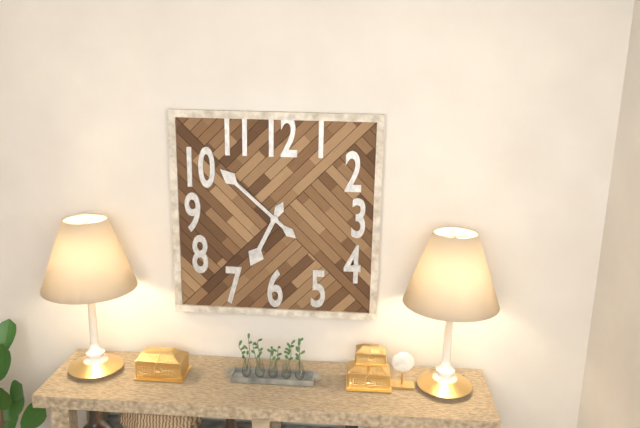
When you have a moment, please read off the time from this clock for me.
6:52
